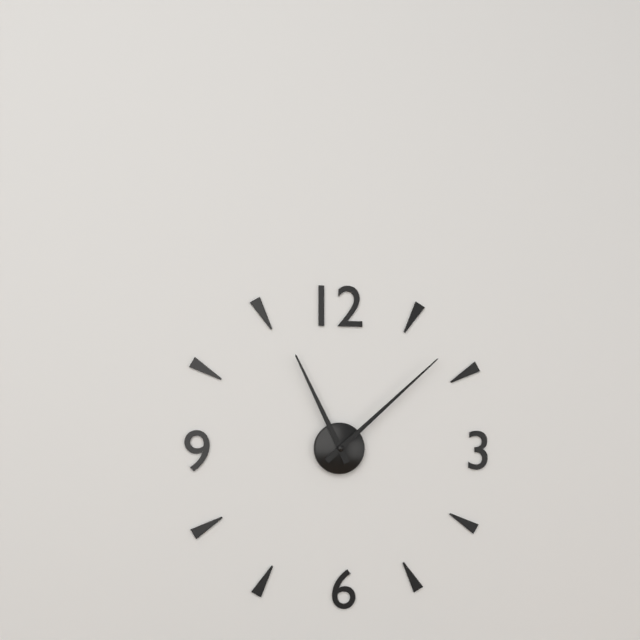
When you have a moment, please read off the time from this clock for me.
11:08
